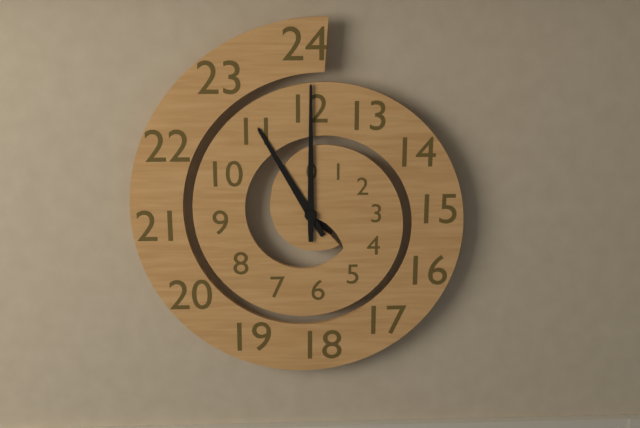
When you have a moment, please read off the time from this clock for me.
11:00
